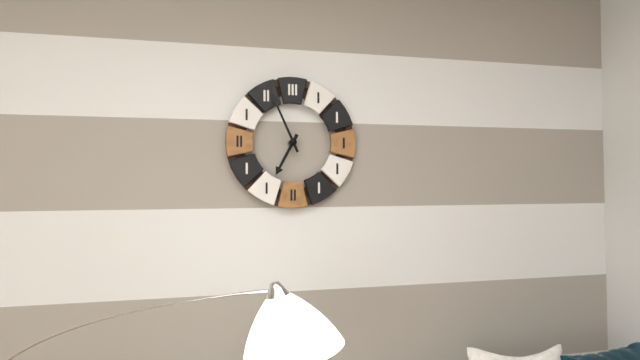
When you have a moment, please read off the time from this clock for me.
6:56
